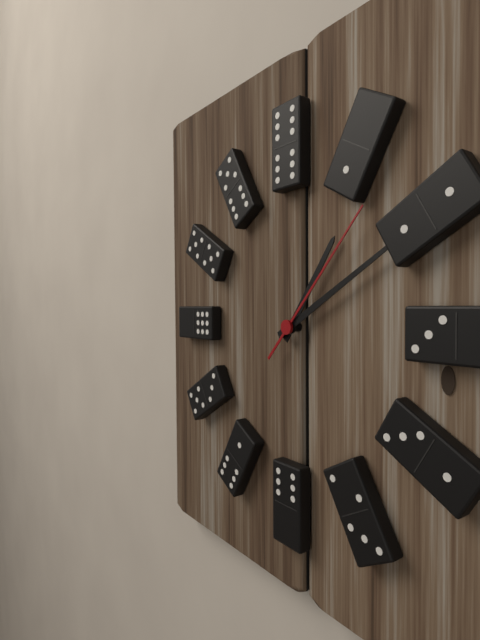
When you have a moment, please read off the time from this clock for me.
1:10:07
